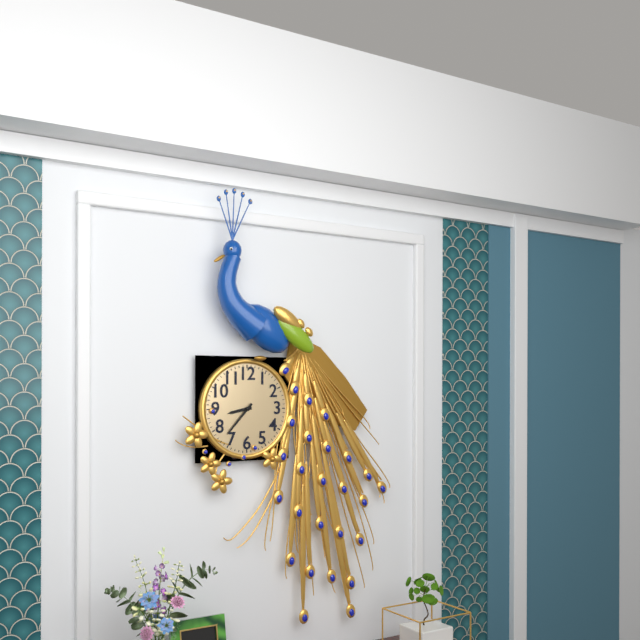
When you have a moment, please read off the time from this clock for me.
8:37
